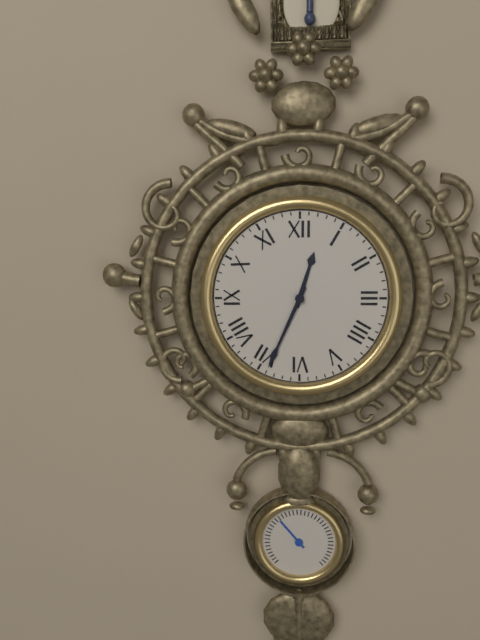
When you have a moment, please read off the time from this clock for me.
12:34
